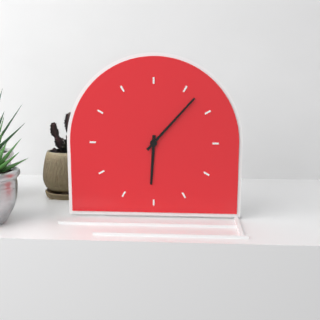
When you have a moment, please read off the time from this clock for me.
6:07
